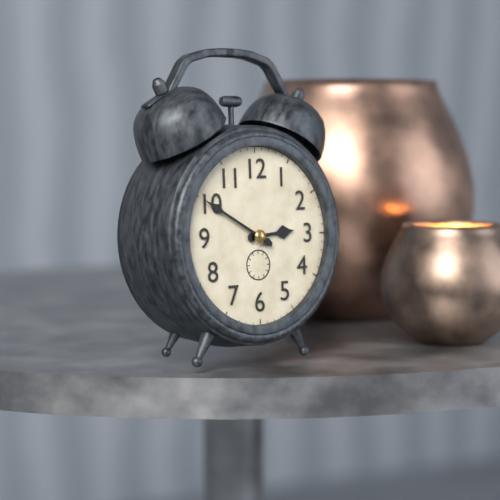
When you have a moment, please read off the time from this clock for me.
2:50
